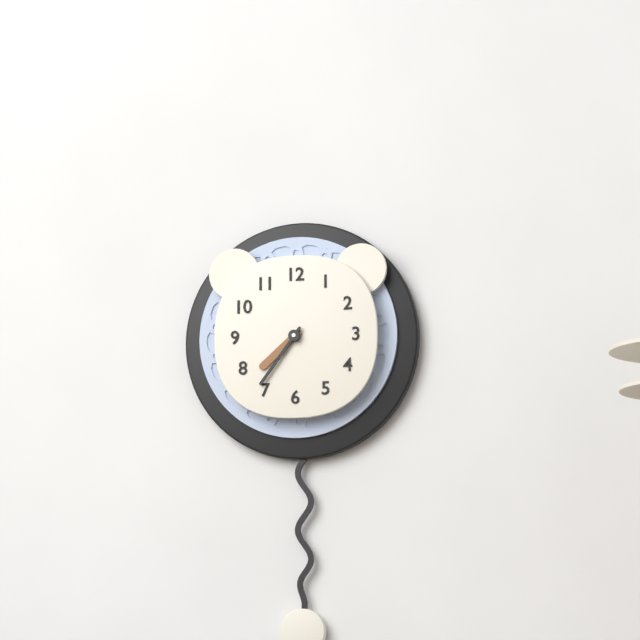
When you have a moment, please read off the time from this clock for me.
7:36
